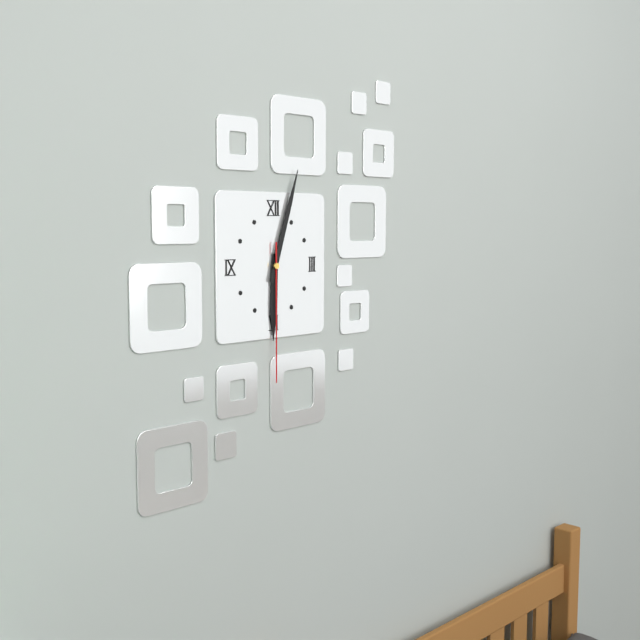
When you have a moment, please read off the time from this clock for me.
6:03:30
